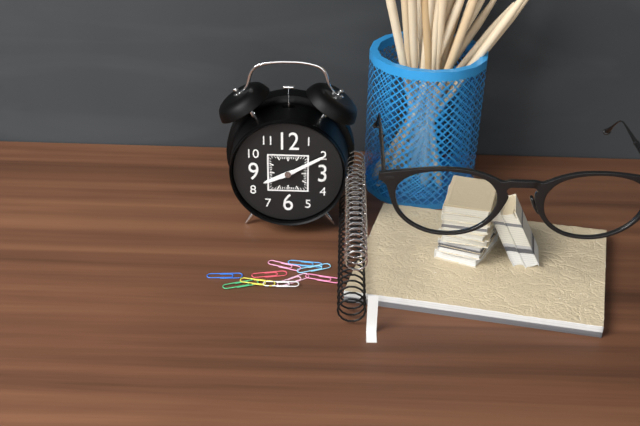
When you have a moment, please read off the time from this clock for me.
8:10
